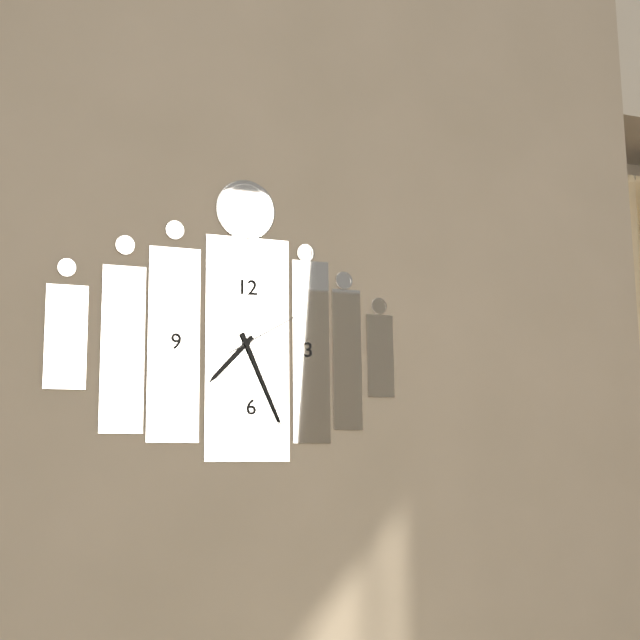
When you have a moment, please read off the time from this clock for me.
7:26:10
